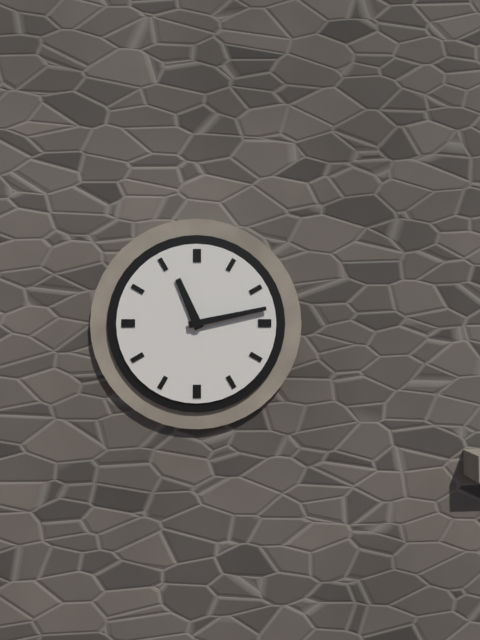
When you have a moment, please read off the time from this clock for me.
11:13
